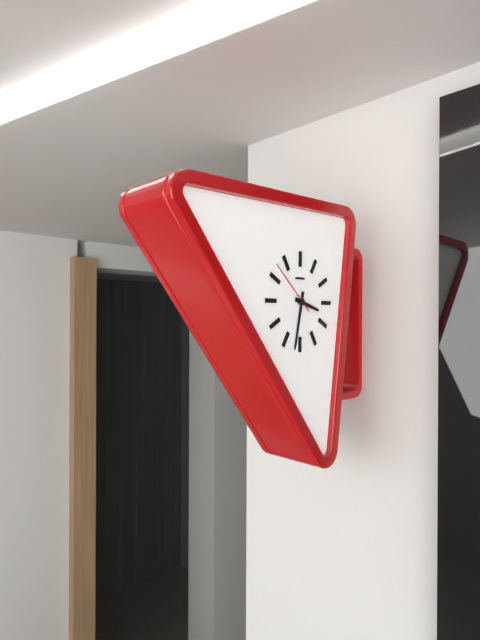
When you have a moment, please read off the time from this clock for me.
3:32:52
